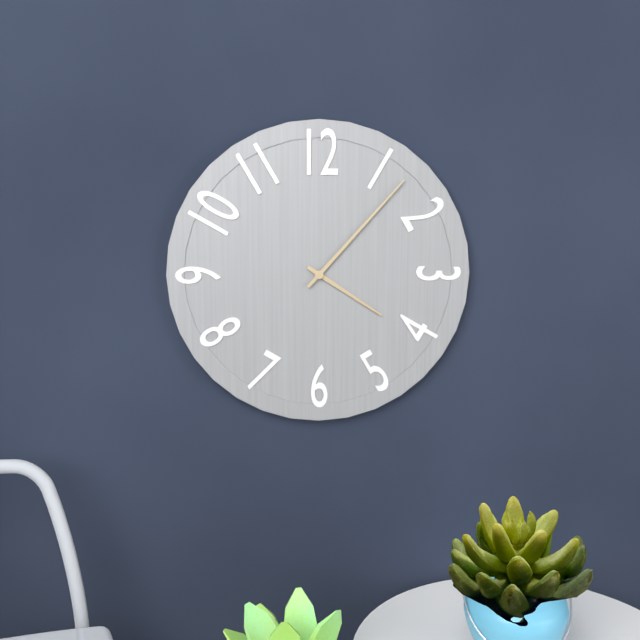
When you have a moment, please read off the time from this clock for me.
4:07
